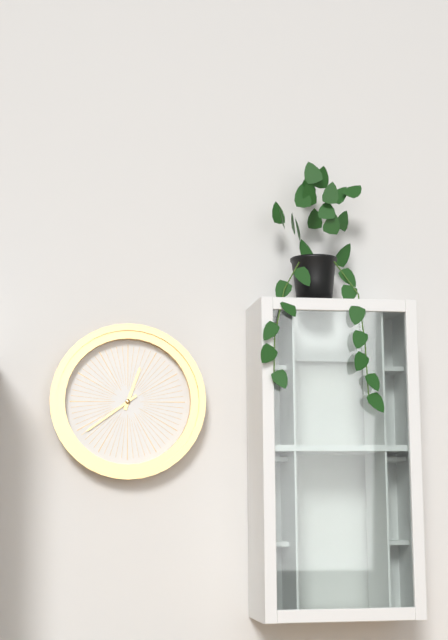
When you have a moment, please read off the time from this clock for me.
12:39
